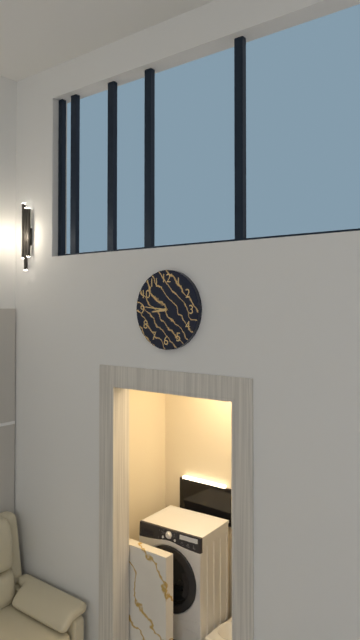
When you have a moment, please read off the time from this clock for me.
8:46
